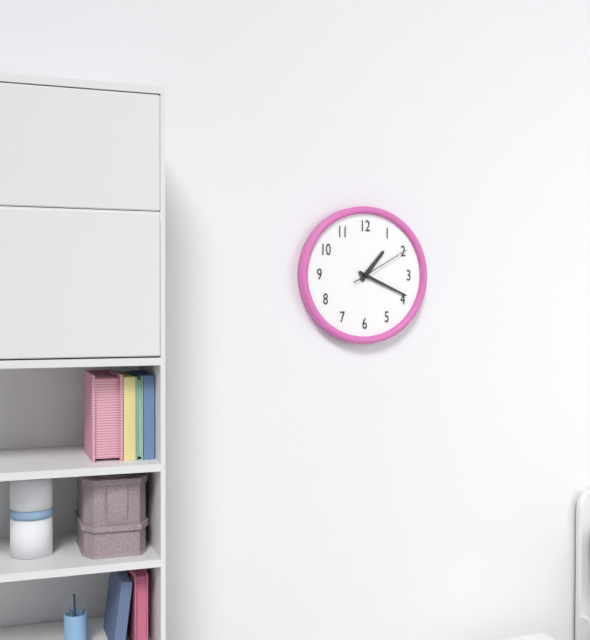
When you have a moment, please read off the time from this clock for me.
1:19:10
